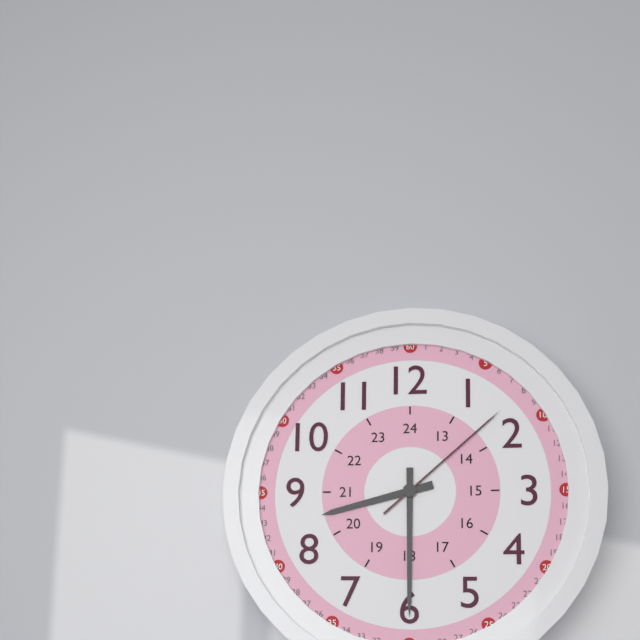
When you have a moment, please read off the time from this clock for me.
8:30:08
